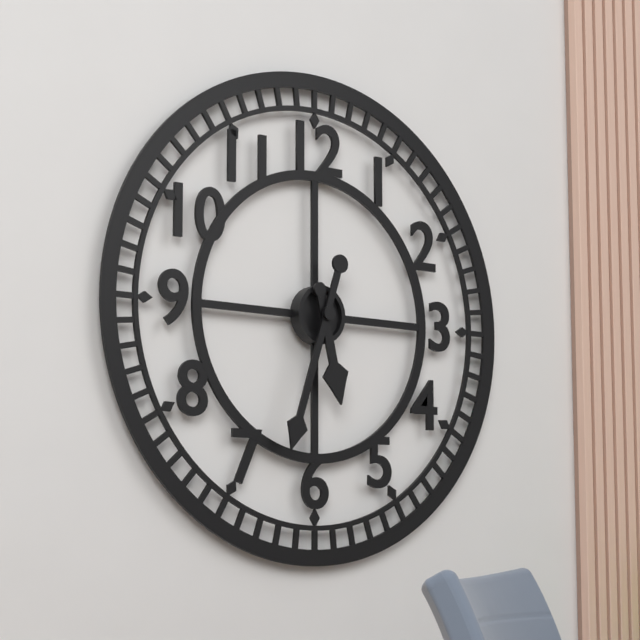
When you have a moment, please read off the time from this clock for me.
5:33
